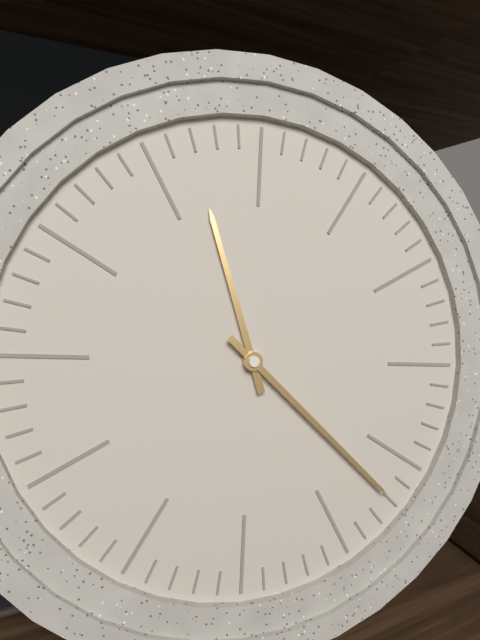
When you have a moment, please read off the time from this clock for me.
11:22
